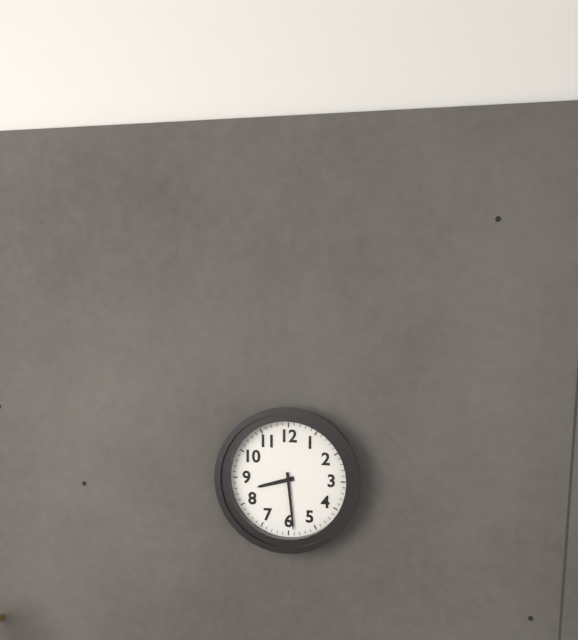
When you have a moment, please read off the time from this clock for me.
8:29
